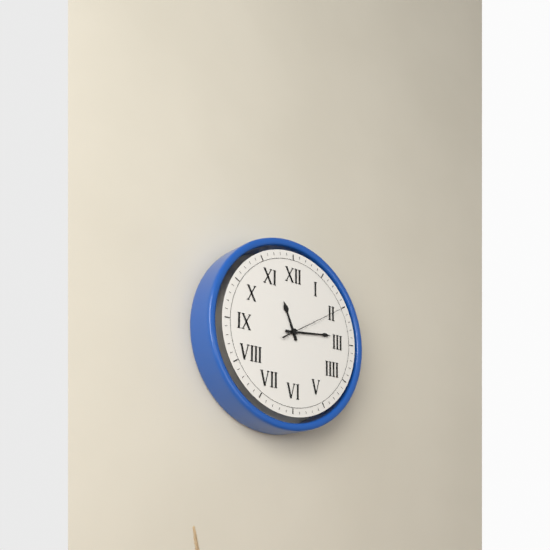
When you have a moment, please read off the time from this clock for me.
11:14:10
